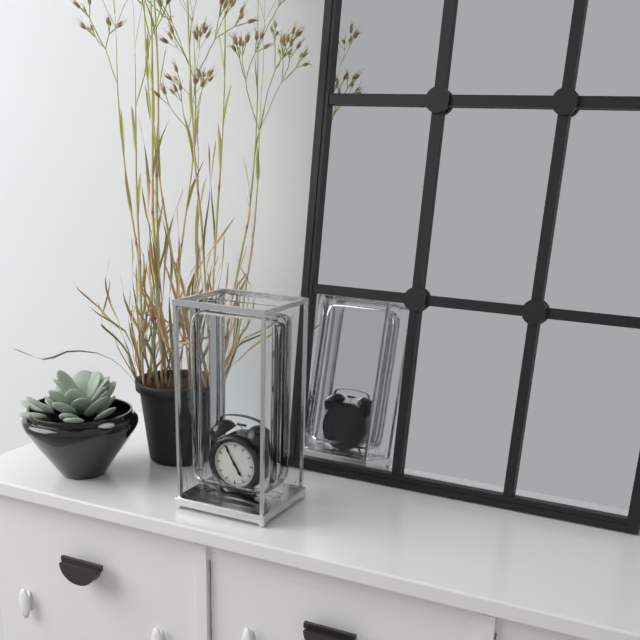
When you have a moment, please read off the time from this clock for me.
4:55
